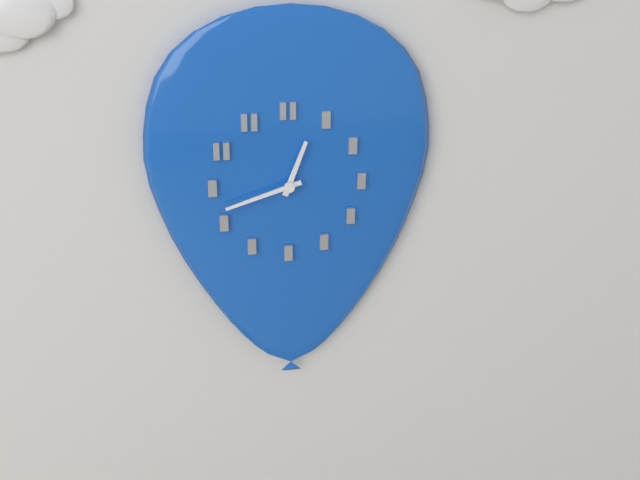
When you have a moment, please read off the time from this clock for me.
12:42
